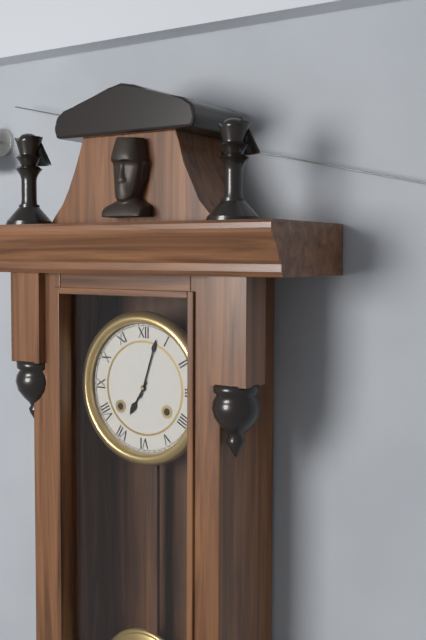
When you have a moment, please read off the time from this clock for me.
7:03
